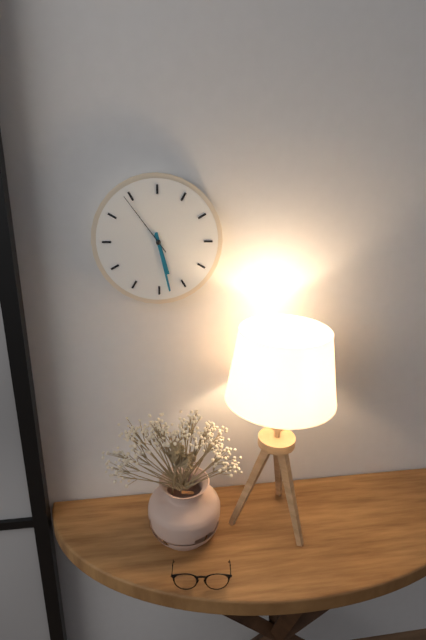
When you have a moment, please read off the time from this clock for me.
5:28:54
